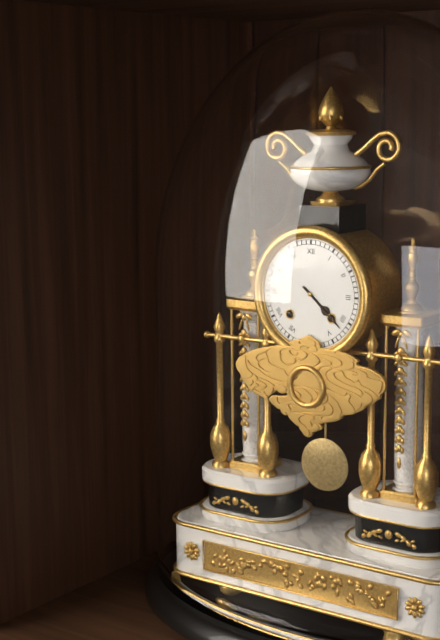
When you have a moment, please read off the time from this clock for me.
4:22
